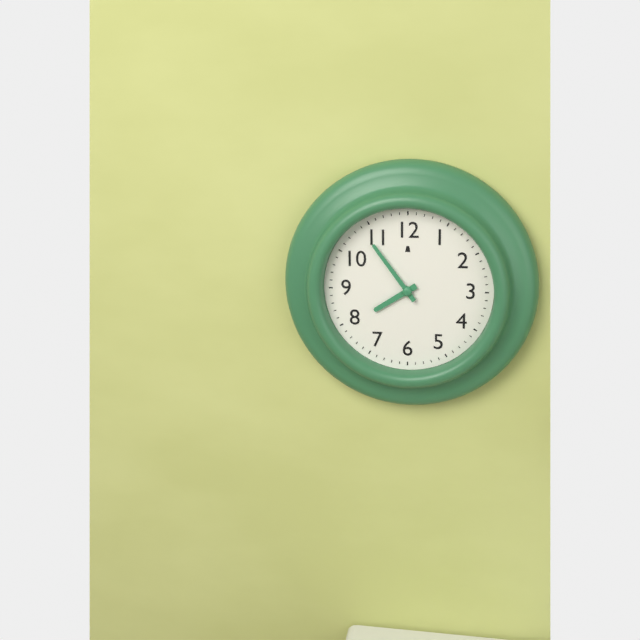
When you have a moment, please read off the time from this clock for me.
7:54
